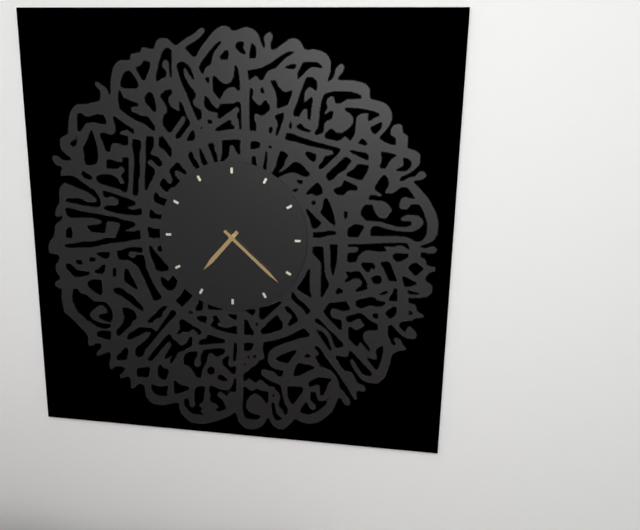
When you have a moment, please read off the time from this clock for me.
7:22
